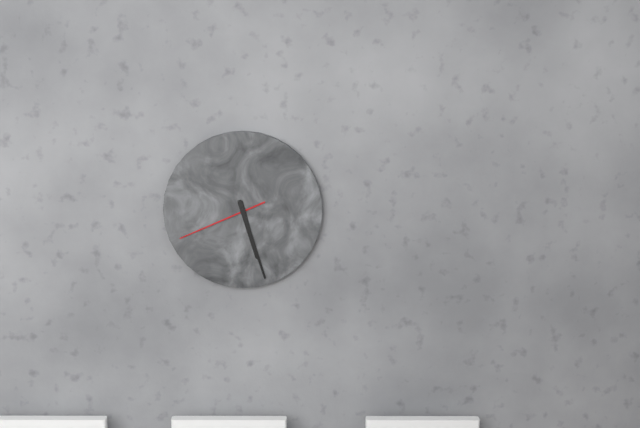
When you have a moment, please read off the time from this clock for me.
5:27:41
